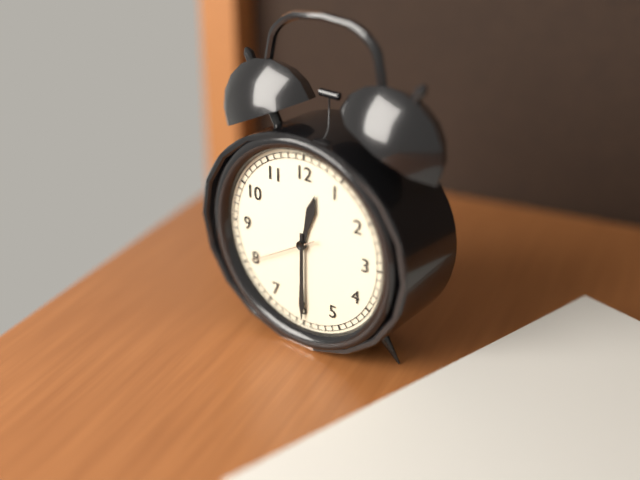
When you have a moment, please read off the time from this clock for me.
12:30:40
